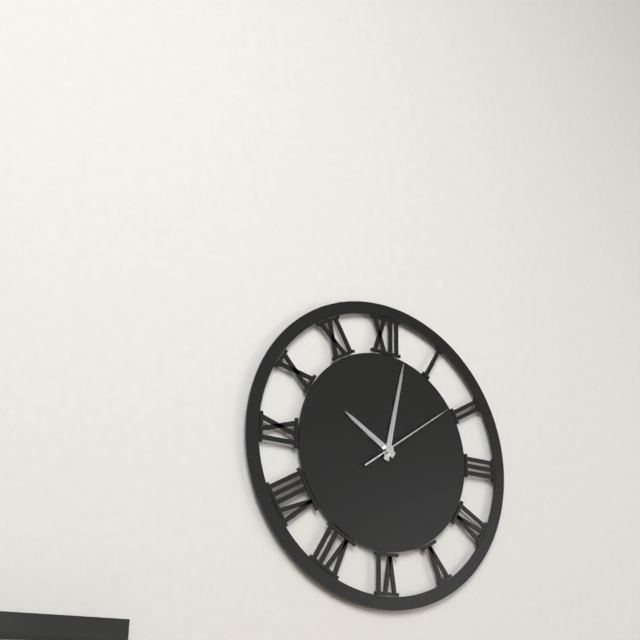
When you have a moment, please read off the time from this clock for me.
10:02:09
